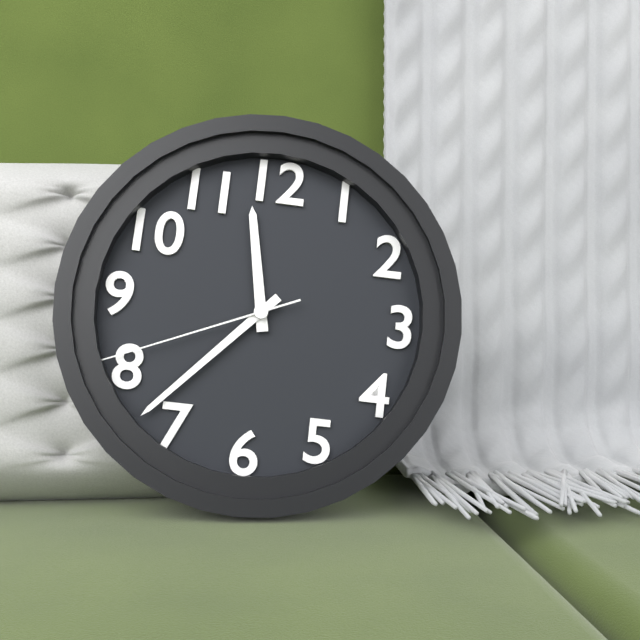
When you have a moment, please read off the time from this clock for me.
11:37:41
